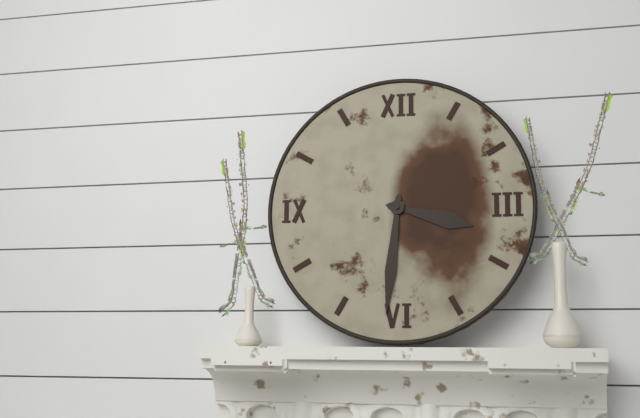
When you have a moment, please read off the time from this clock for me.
3:31
